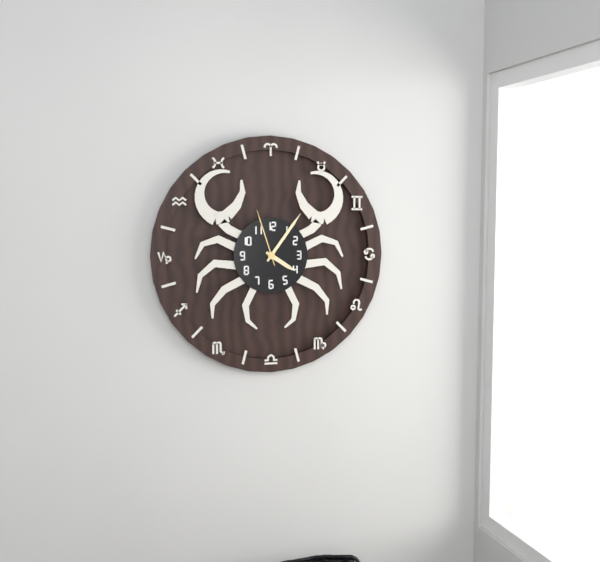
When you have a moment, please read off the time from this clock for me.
4:06:57
